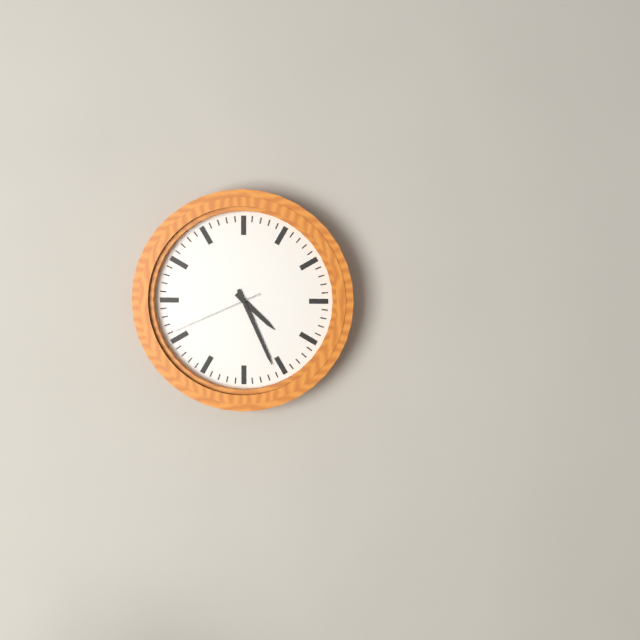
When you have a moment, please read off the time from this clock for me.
4:26:41
